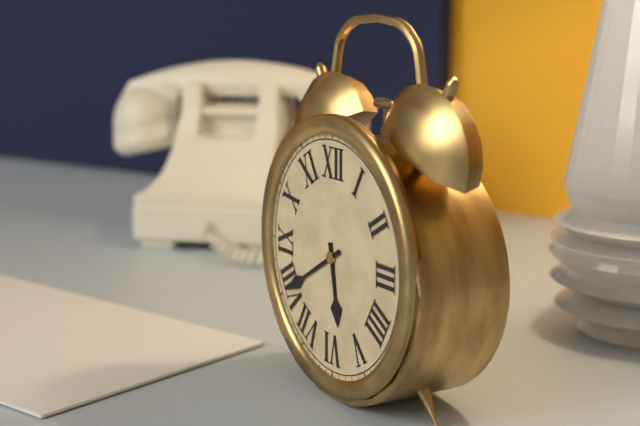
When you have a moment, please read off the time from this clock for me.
5:40
